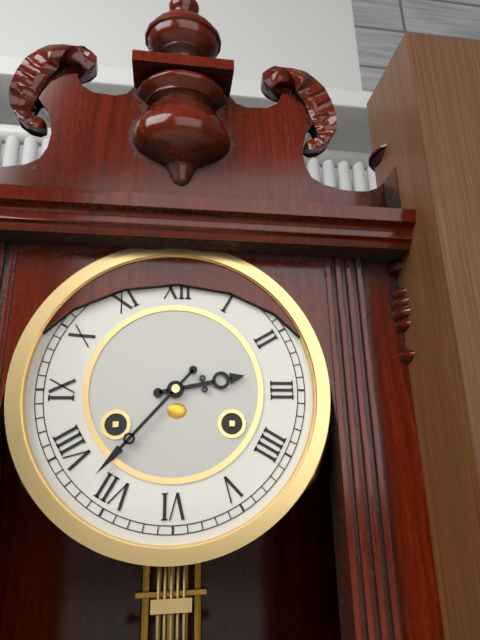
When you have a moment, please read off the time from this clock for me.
2:37
